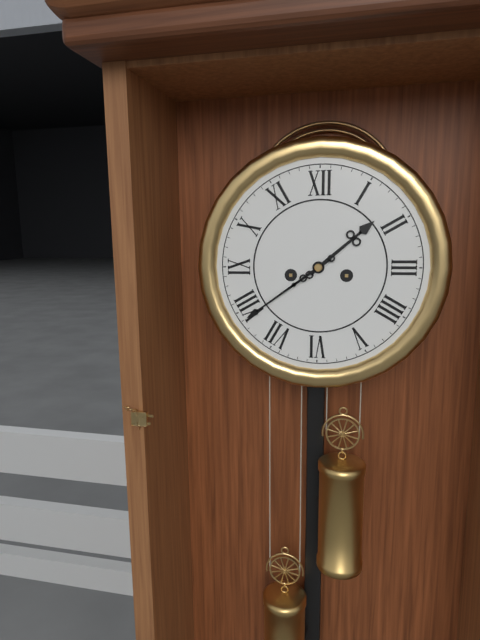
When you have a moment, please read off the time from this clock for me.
1:39
